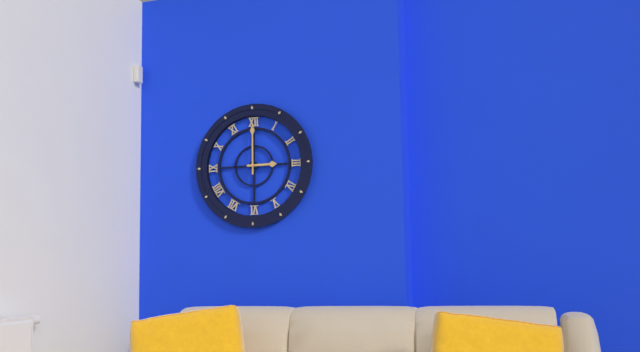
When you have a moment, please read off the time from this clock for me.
3:00
